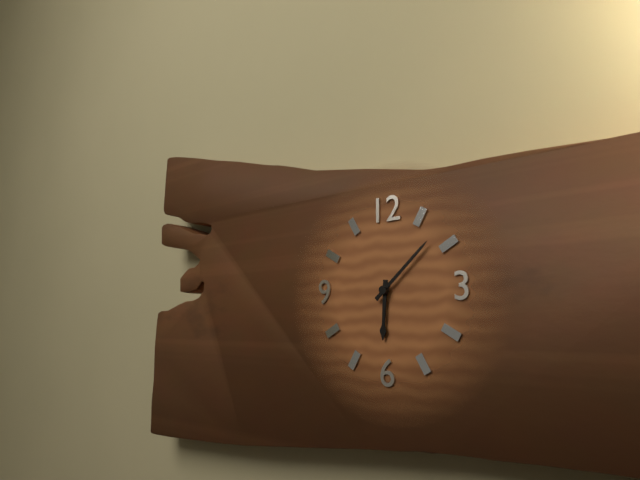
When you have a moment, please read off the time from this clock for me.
6:08
